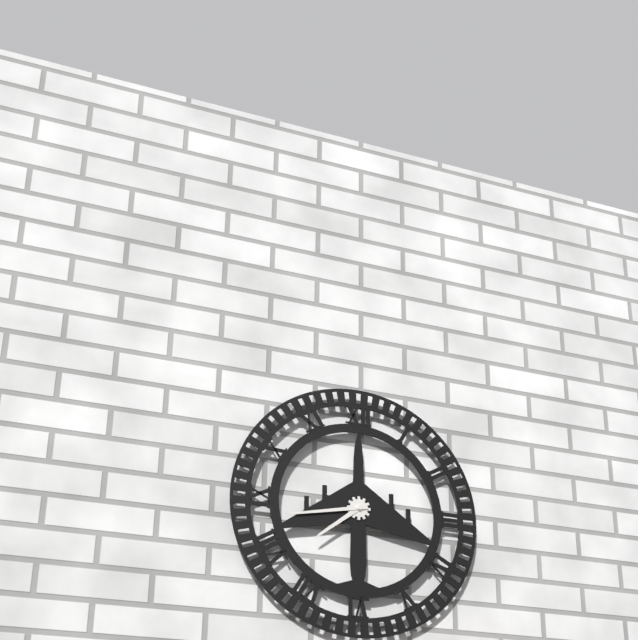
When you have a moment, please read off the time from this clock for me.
7:43
